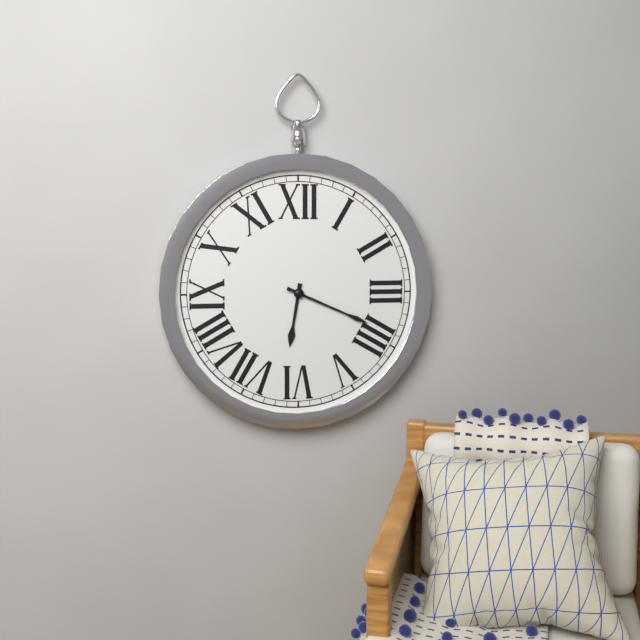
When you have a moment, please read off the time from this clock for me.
6:19
